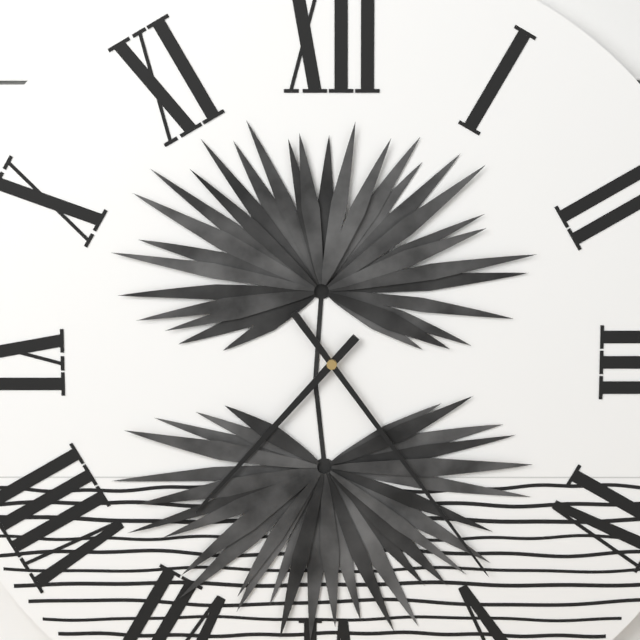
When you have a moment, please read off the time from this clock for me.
7:24
